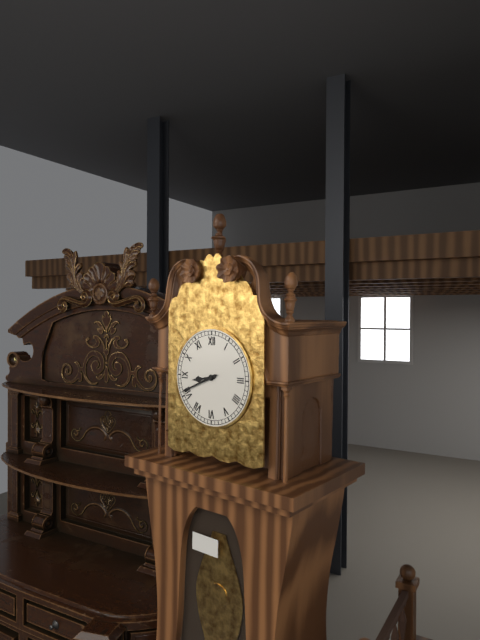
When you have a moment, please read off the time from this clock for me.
8:41
